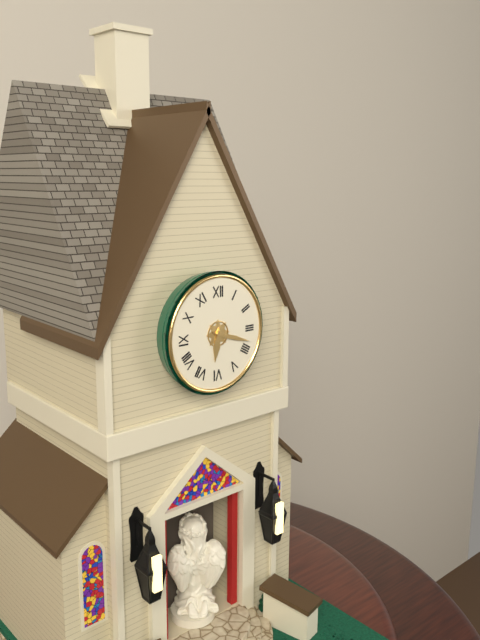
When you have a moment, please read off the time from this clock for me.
6:18
